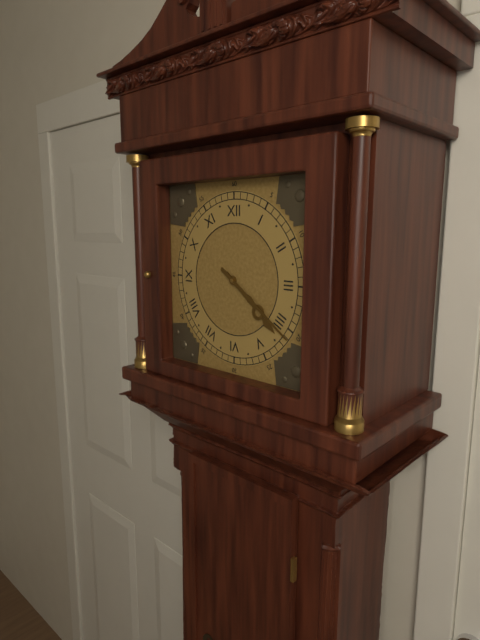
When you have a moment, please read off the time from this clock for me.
4:21
